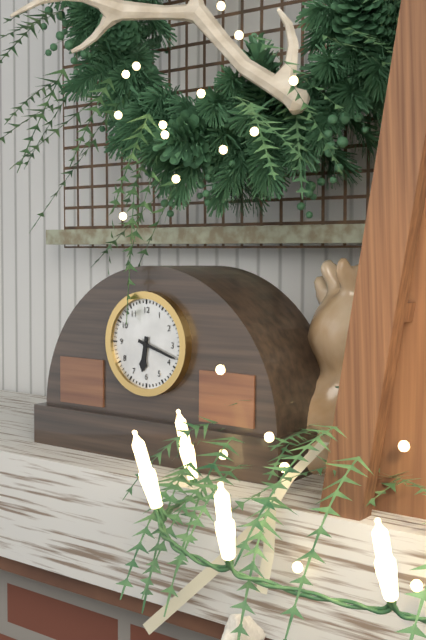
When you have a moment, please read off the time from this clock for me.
6:18
